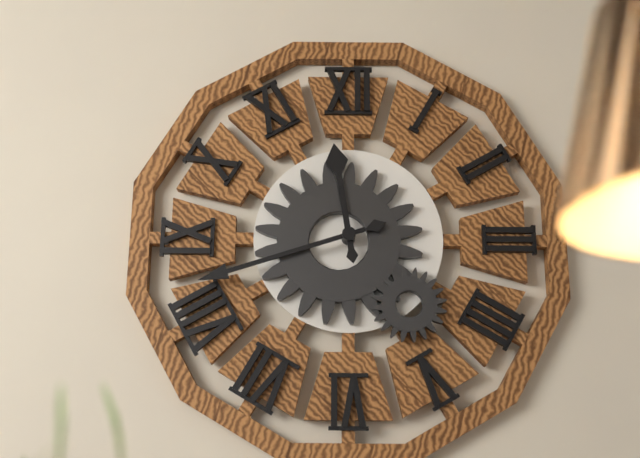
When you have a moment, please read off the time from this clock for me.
11:42
